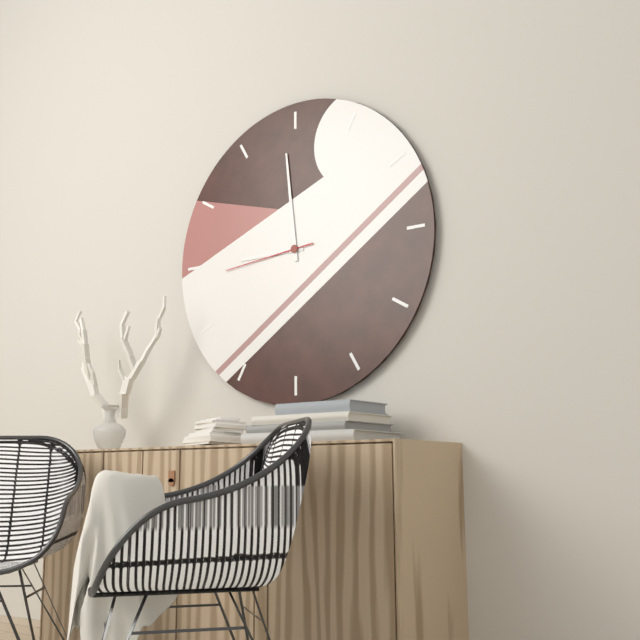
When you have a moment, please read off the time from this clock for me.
8:59:44
